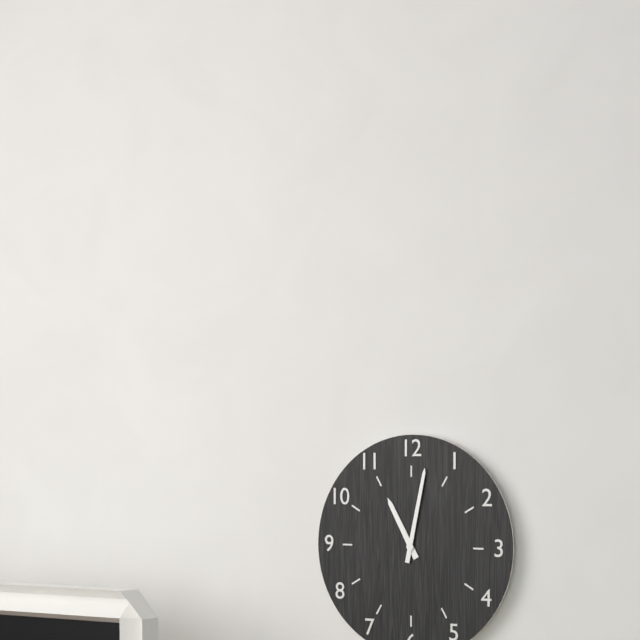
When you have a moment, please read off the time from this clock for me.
11:02
